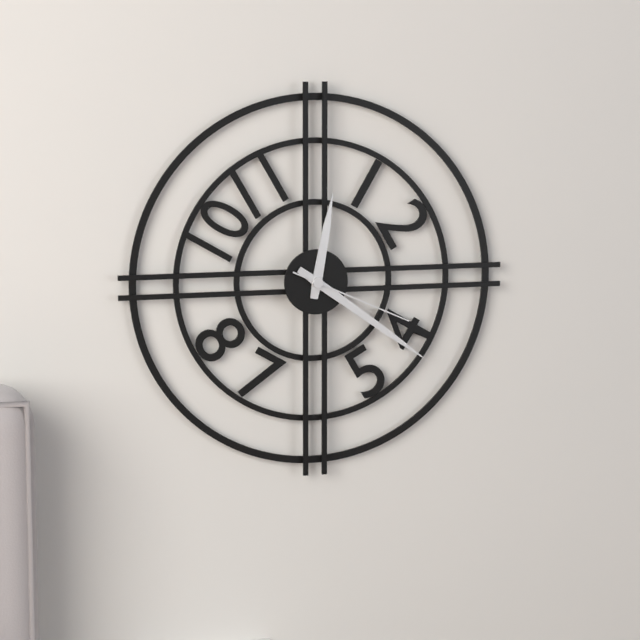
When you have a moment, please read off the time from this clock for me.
12:21:19
